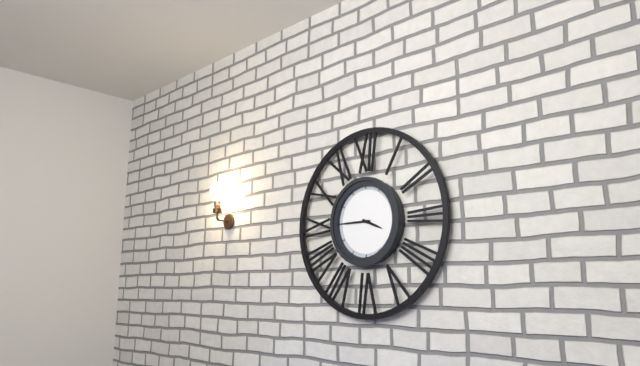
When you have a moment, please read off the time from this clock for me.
3:45
